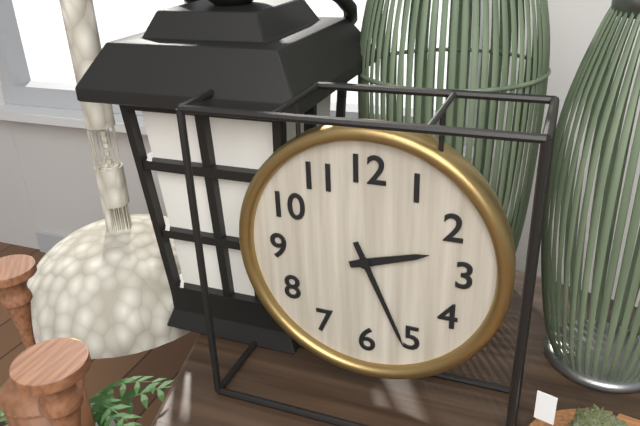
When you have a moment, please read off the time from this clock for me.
2:26
